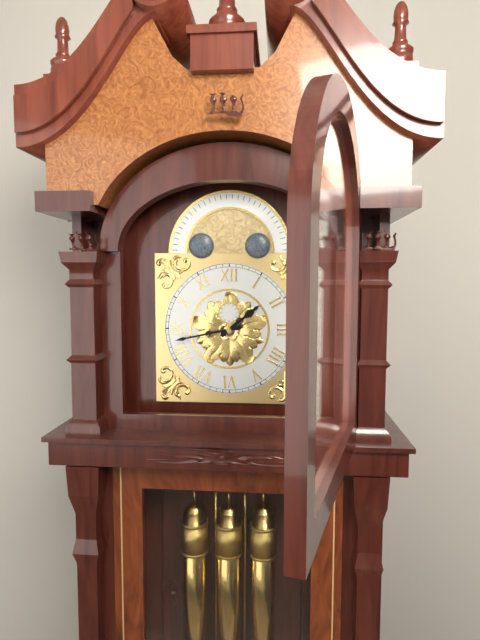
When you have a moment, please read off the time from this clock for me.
1:43
